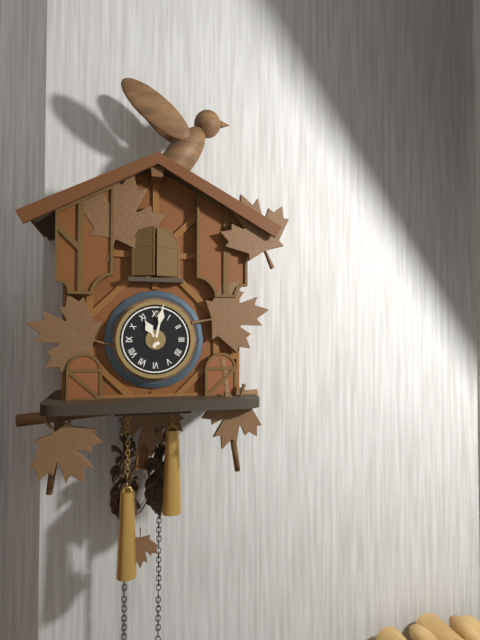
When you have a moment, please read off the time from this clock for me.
11:02
